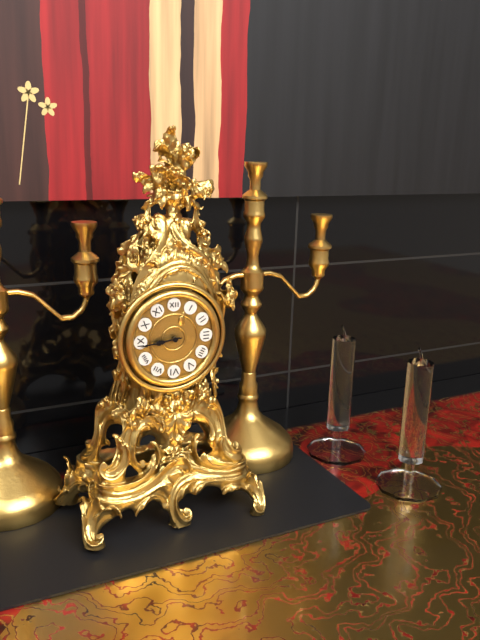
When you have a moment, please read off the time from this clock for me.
8:44
